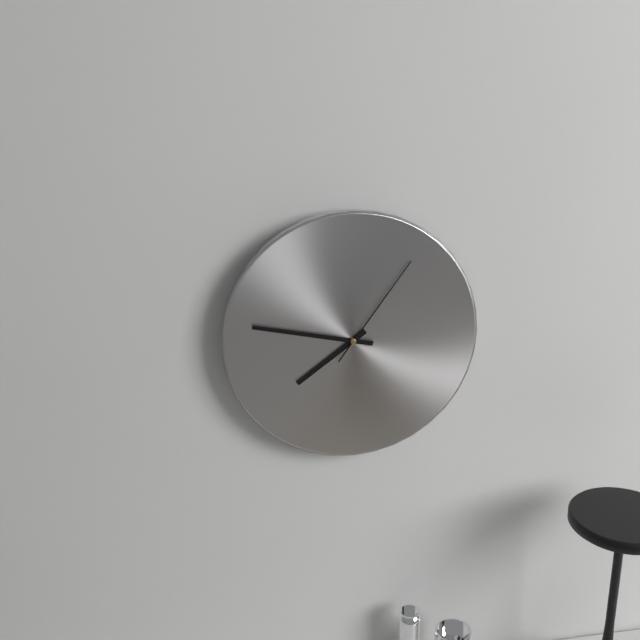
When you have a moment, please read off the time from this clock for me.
7:47:06
